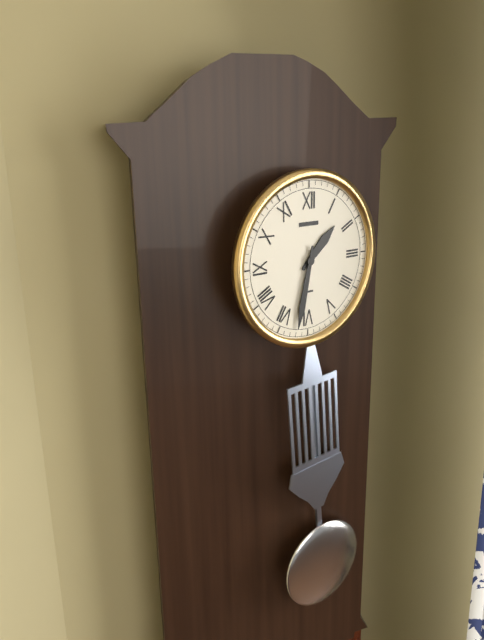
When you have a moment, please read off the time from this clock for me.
1:32
